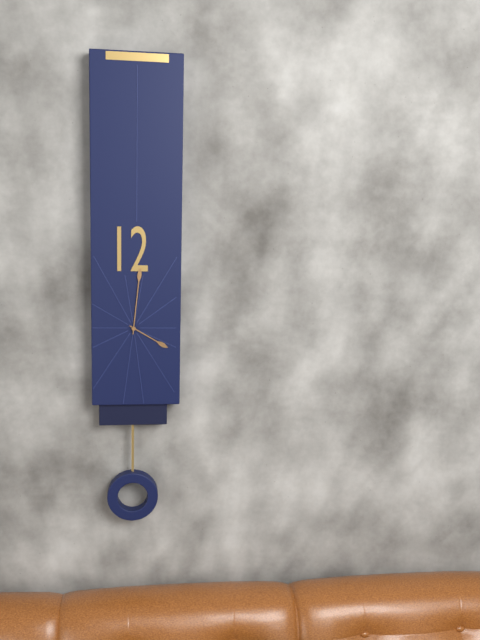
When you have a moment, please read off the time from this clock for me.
4:01
